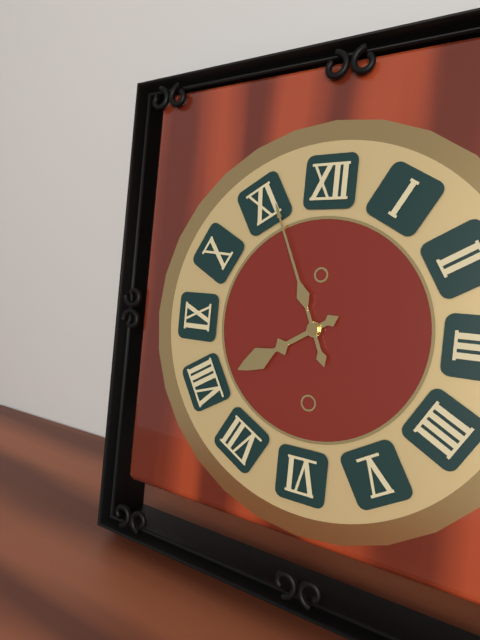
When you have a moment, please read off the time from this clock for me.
7:56
